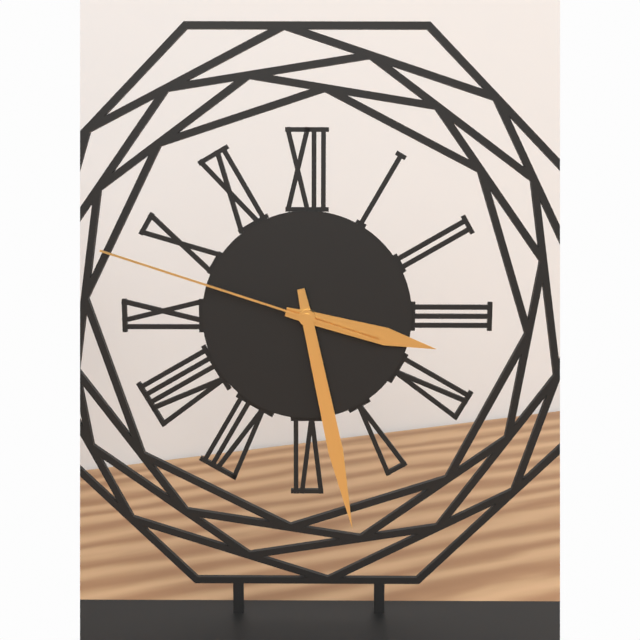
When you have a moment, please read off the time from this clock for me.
3:28:48
